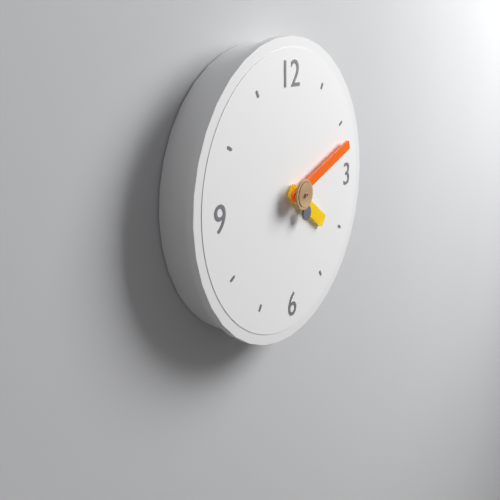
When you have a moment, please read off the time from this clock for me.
4:12
